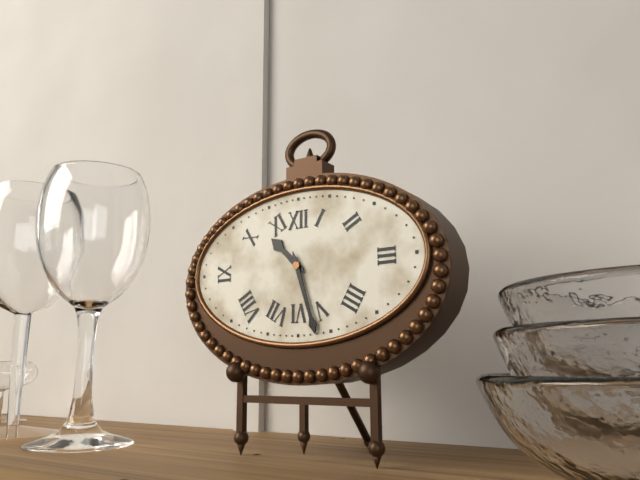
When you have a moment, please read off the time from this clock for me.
10:27
